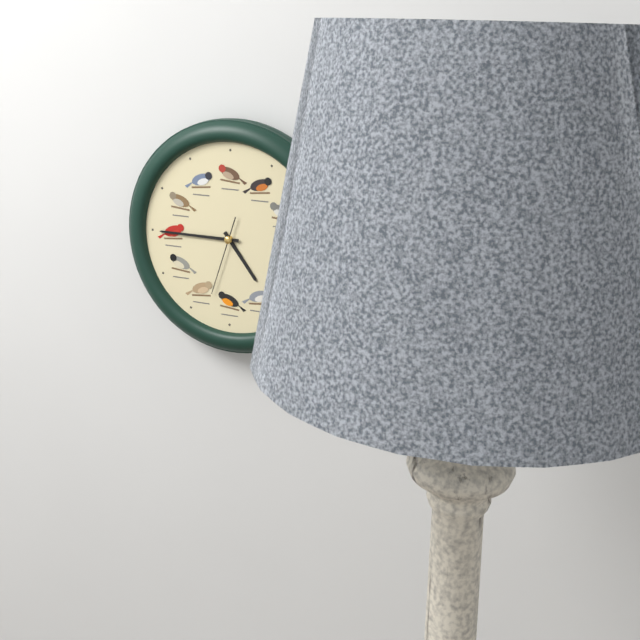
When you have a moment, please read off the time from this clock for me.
4:45:33
